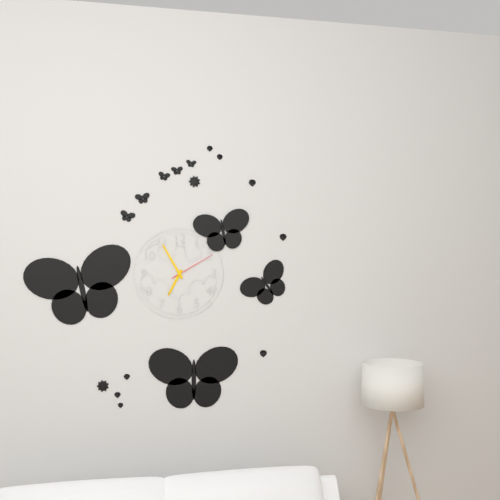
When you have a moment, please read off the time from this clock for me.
6:55
